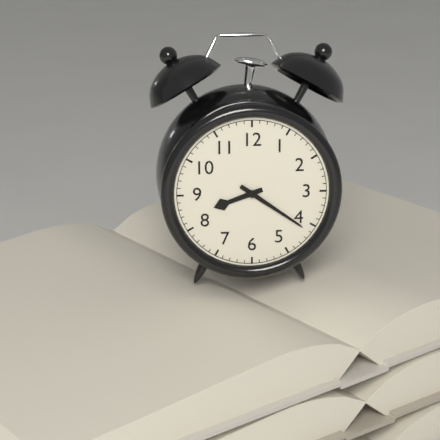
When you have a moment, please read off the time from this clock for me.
8:21
